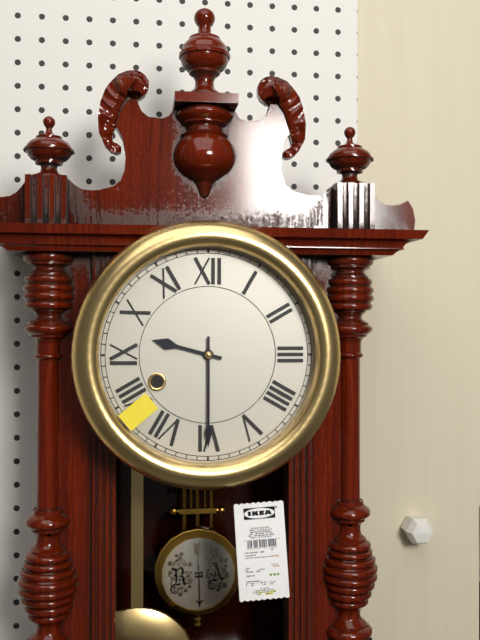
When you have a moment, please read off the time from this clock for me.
9:30
